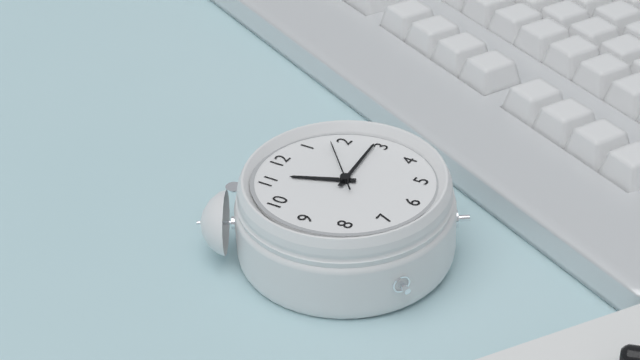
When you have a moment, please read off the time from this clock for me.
11:14:08
